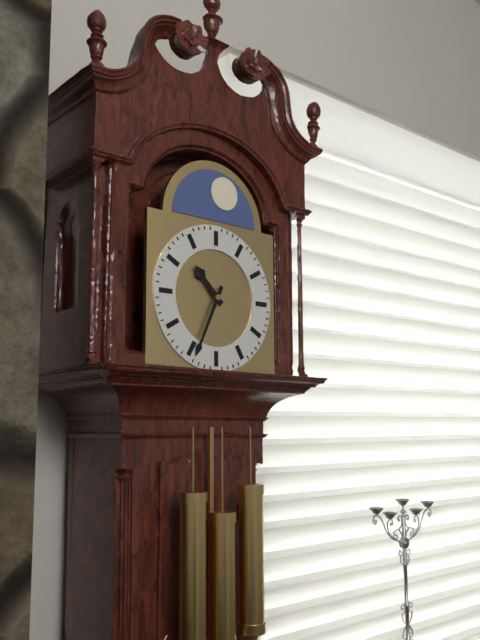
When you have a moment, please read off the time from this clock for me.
10:34
